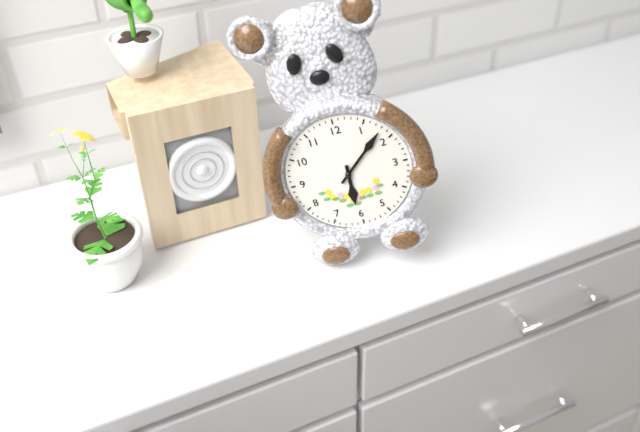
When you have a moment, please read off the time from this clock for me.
6:08
